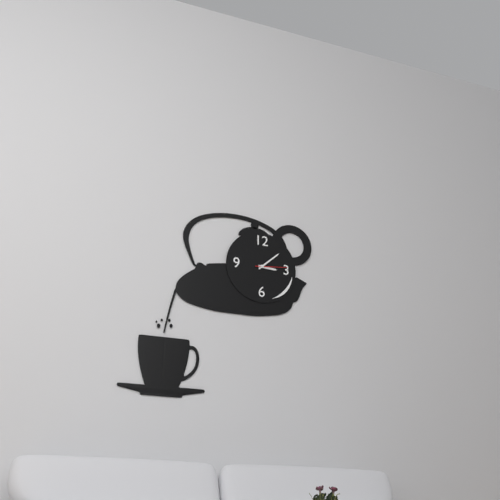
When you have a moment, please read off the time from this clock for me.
3:08
